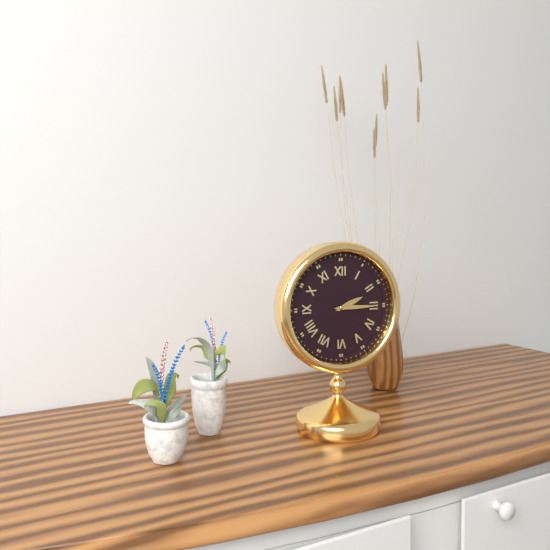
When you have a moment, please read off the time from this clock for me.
2:15
